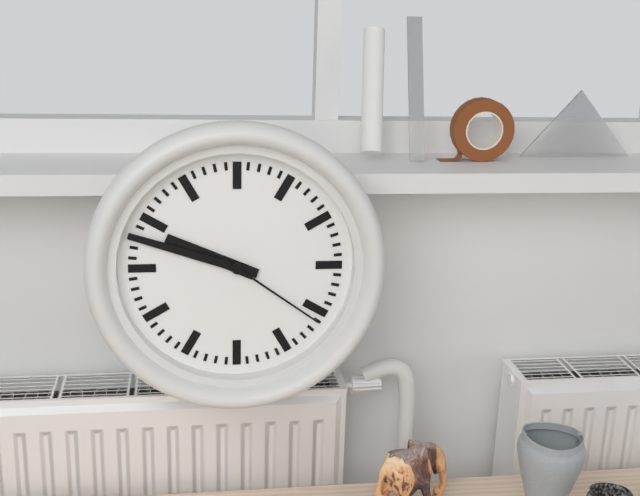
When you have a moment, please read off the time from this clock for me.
9:48:21
